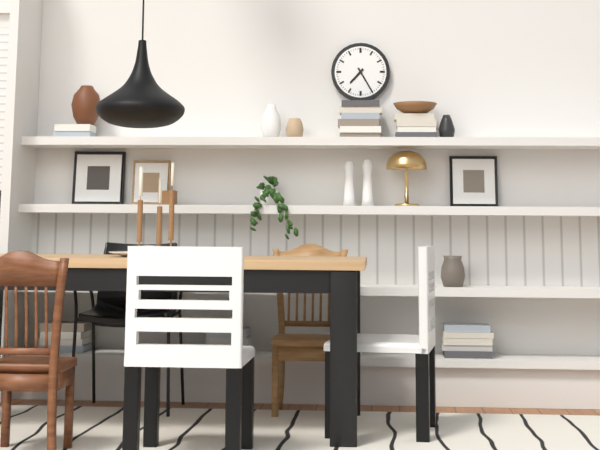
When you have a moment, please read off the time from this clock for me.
7:25
